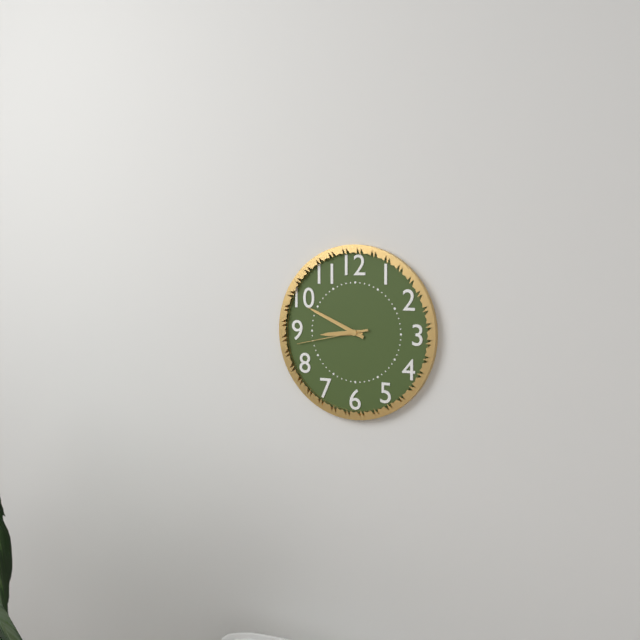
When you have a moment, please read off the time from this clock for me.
8:49:43
